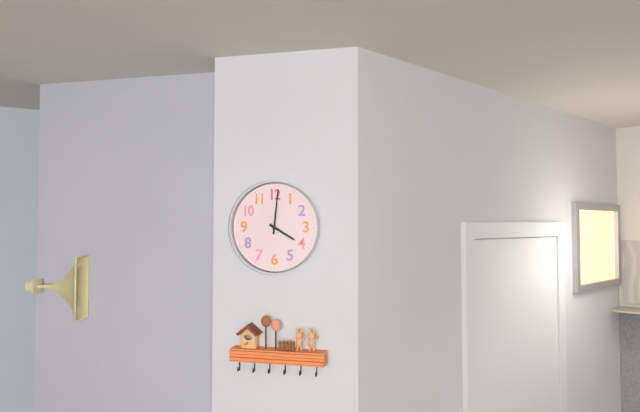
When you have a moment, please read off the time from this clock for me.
4:01
